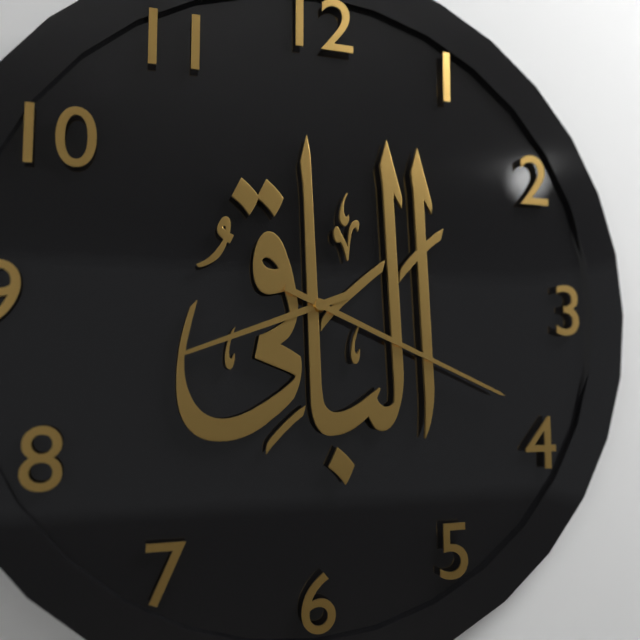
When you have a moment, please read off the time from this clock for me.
8:19
